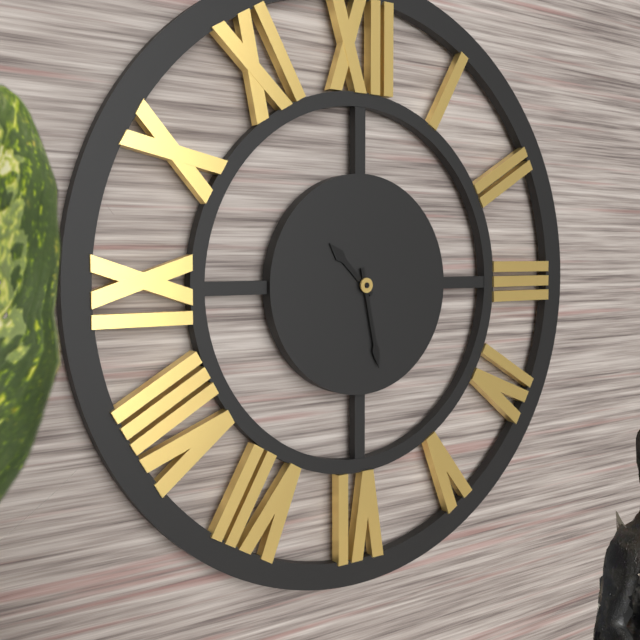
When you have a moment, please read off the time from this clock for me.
10:28
